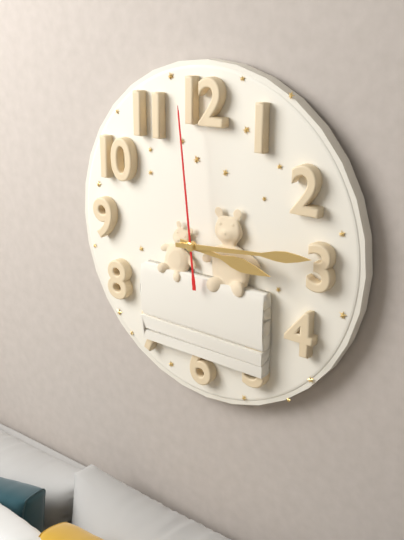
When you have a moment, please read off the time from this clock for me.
3:14:59
